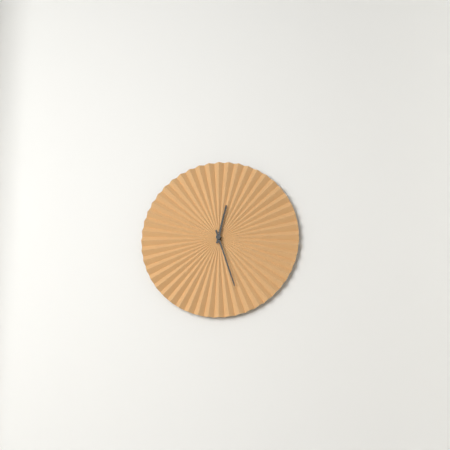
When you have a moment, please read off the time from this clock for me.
12:27
